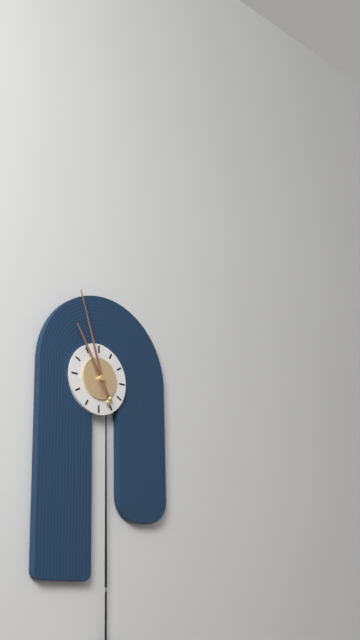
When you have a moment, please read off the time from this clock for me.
10:57
